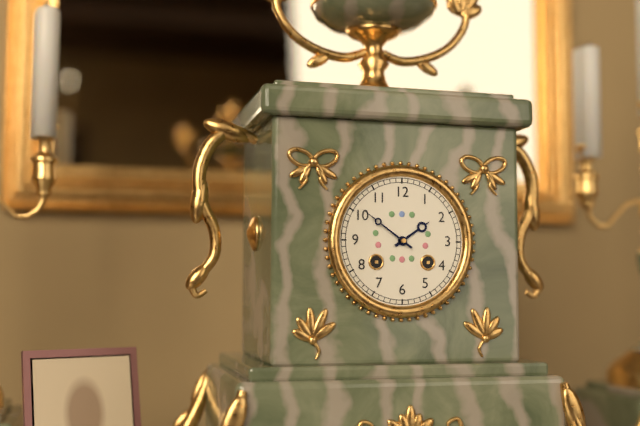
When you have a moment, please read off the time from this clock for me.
1:51
